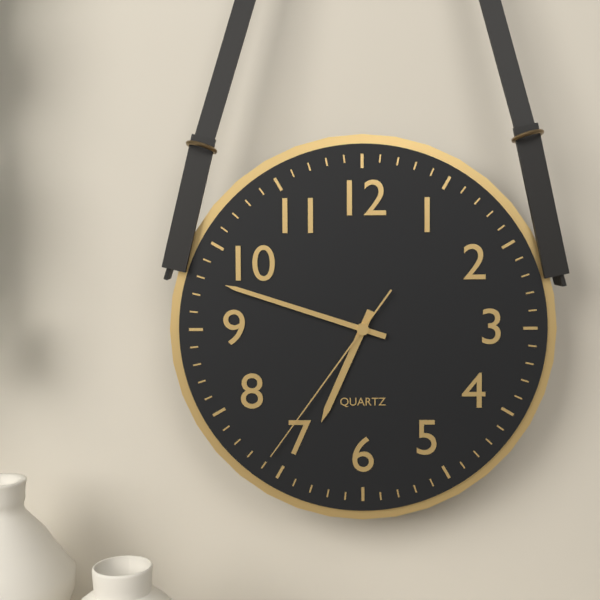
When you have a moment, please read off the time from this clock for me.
6:48:36
